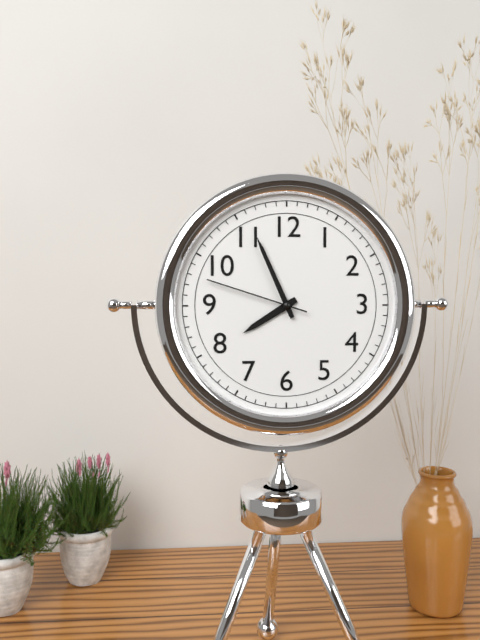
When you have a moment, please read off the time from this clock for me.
7:56:48
